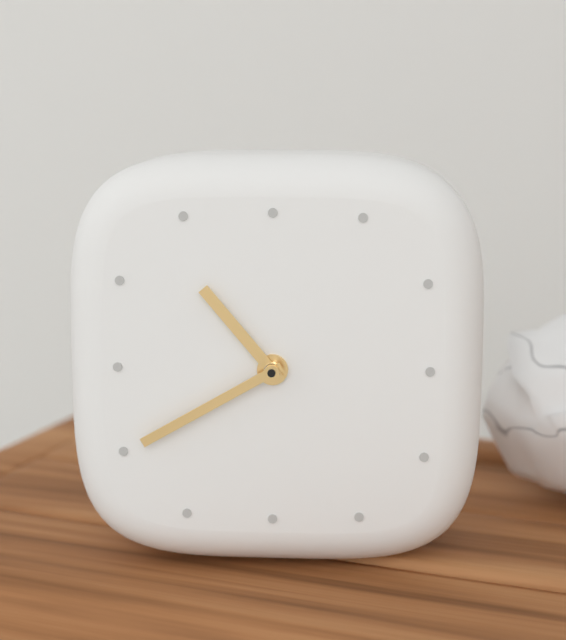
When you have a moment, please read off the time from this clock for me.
10:40
